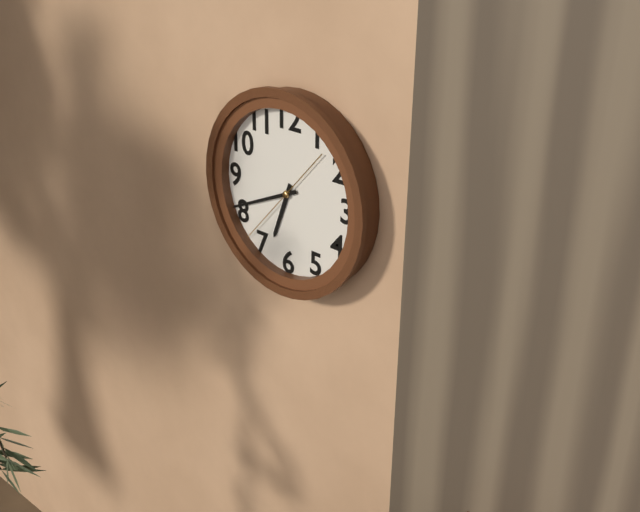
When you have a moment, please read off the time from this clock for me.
6:41:37
